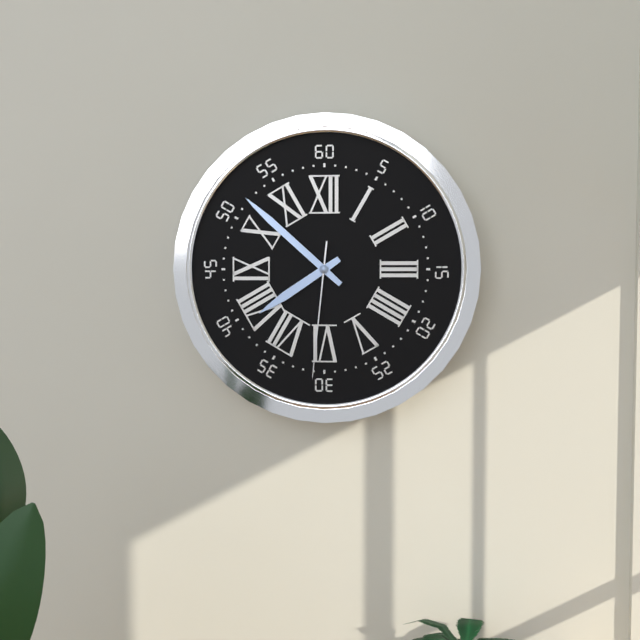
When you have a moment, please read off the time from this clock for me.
7:52:31
